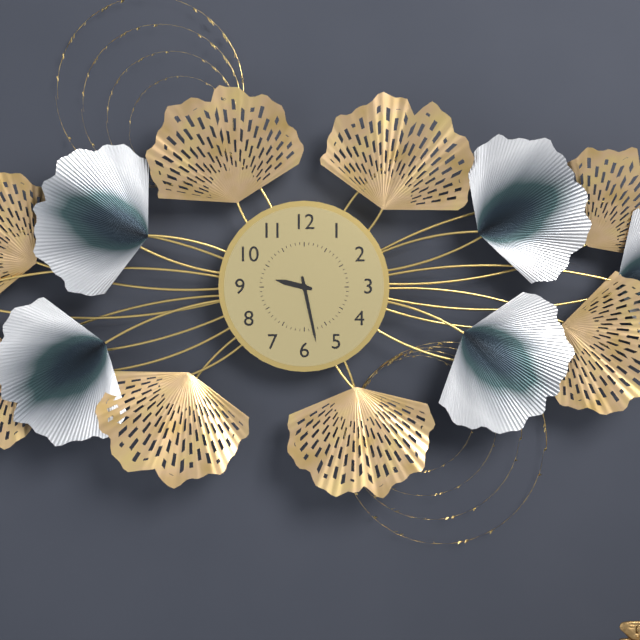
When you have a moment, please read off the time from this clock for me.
9:28
